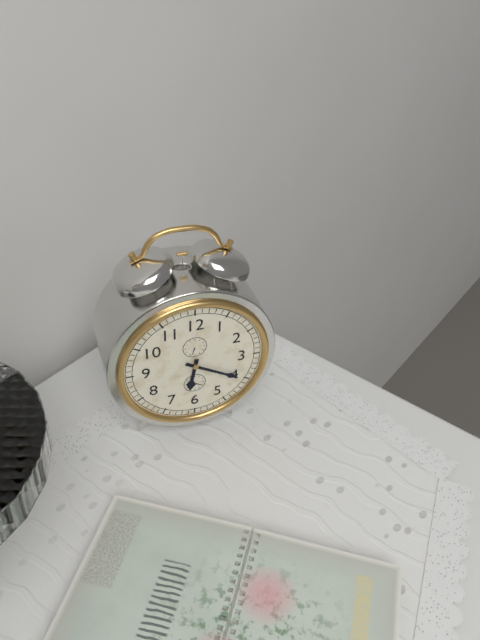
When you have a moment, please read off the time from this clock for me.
6:20
